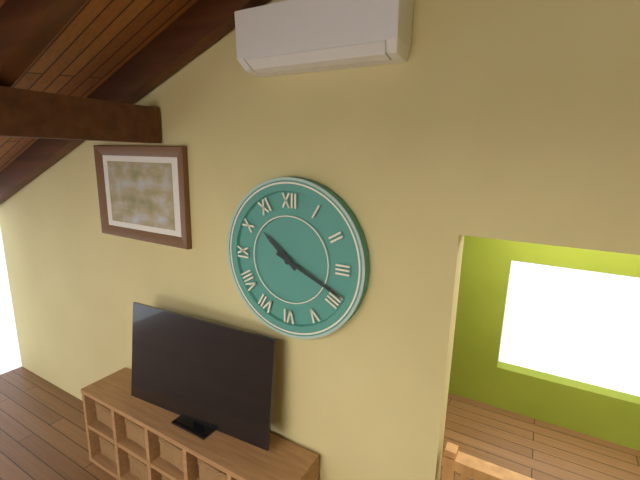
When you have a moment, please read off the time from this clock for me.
10:19
